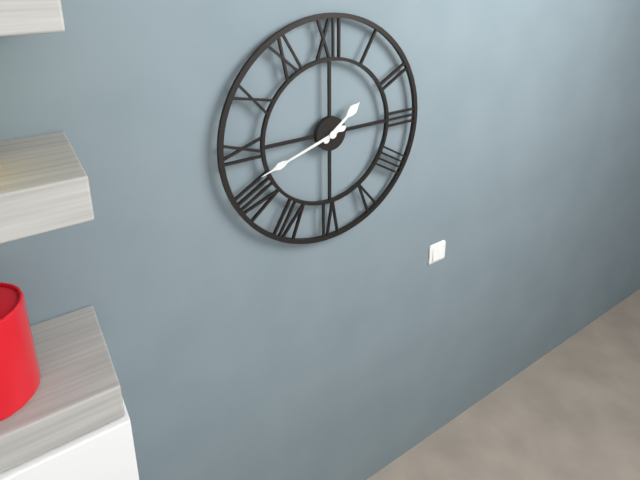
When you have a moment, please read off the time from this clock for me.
1:42
